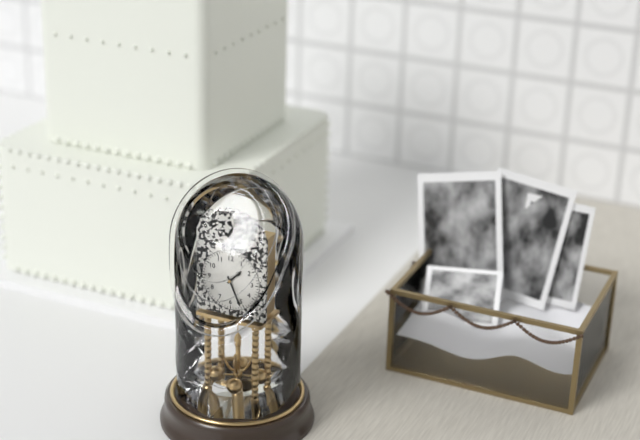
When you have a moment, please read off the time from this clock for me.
1:26
